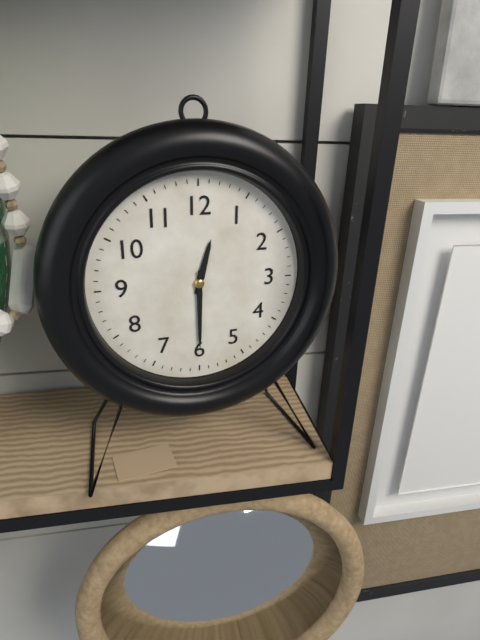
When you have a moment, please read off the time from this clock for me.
12:30
